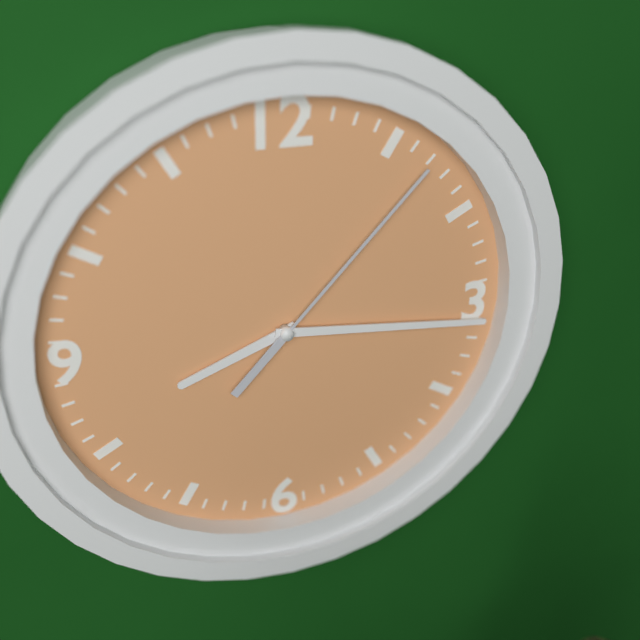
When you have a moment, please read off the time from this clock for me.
8:16:07
